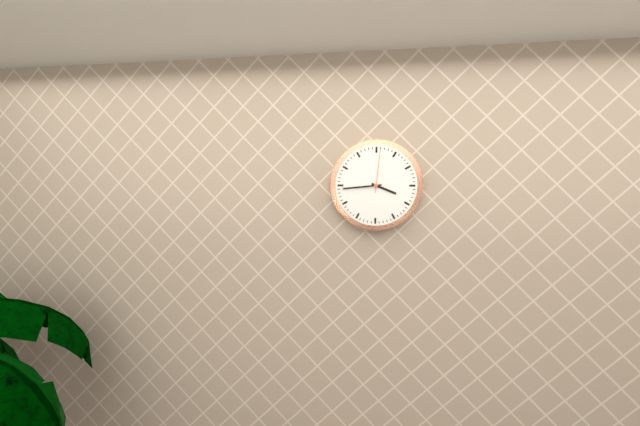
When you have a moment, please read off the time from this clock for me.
3:44
